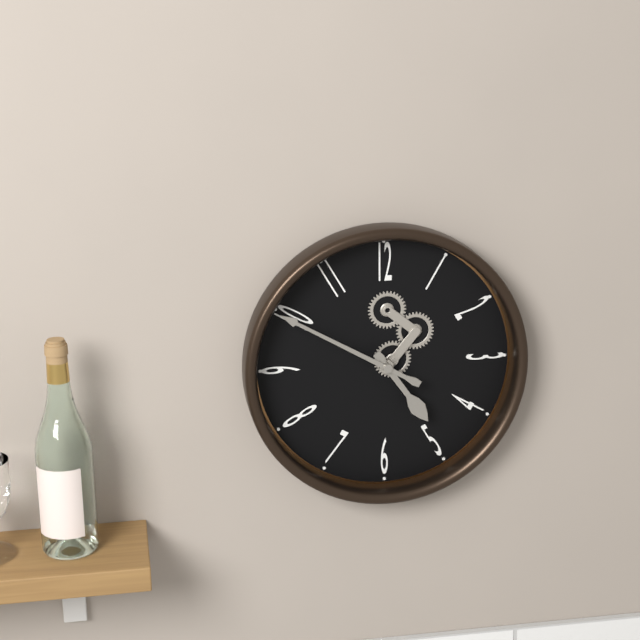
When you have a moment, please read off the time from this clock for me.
4:50
